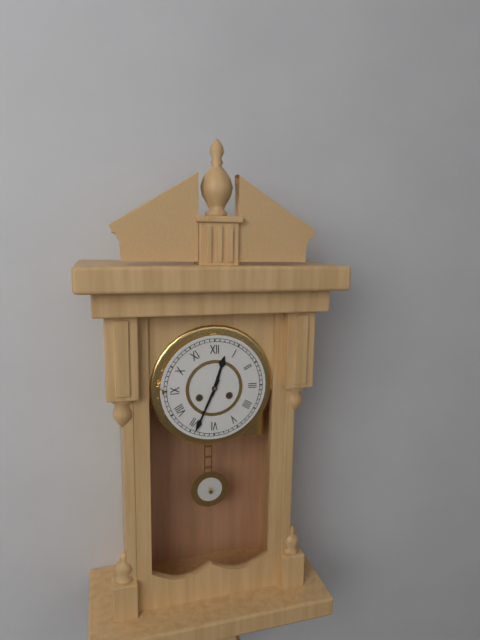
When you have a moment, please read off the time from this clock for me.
12:34
